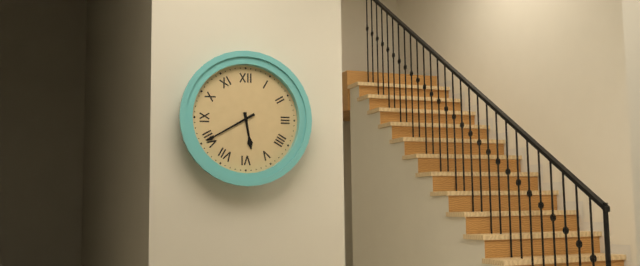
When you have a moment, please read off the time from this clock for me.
5:40
